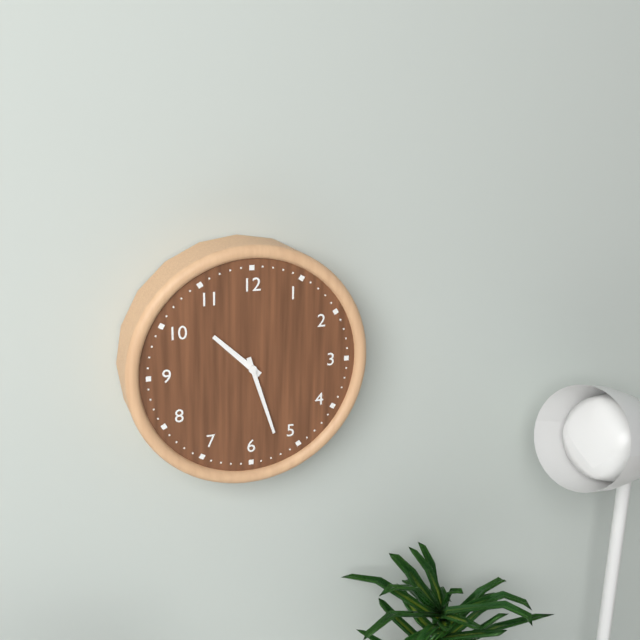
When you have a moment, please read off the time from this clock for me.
10:27
